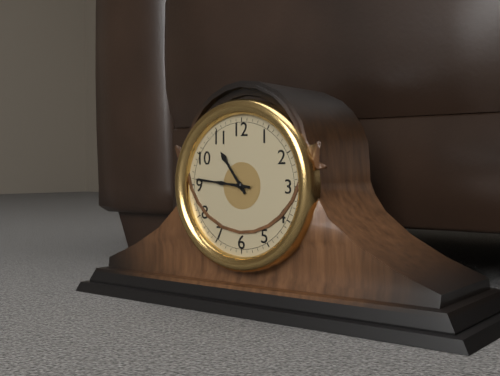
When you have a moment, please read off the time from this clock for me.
10:46
